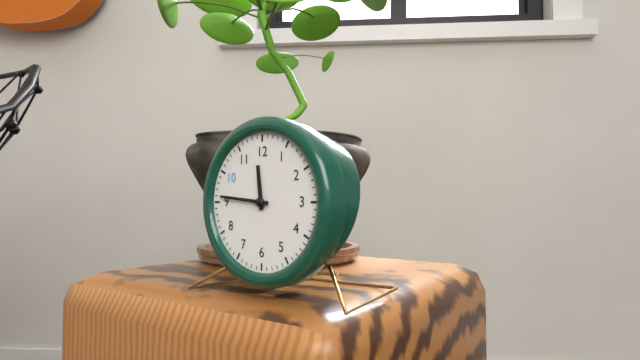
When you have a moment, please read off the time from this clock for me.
11:46
